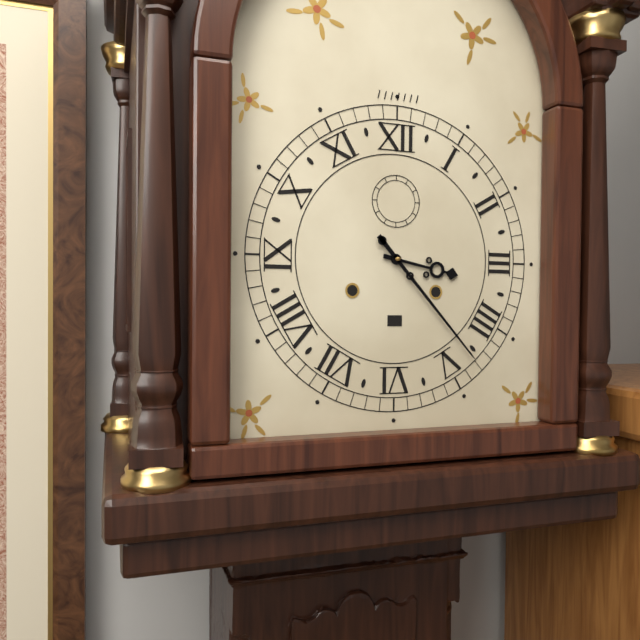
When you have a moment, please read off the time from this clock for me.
3:23
